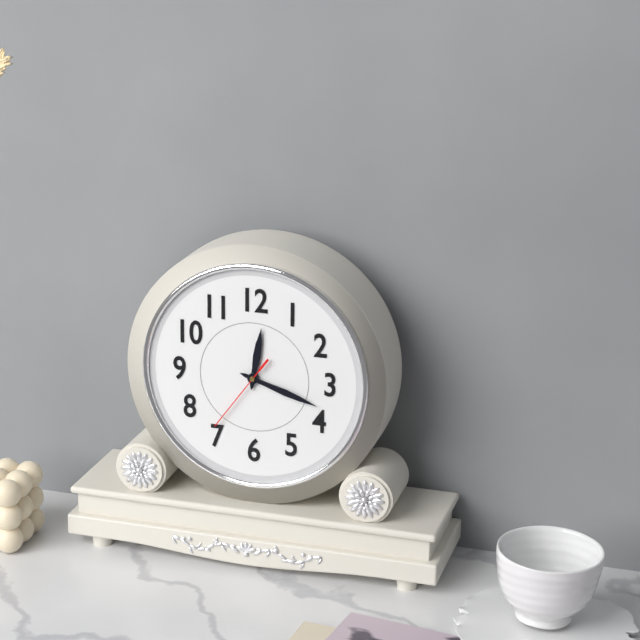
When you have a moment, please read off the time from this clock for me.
12:18:36
